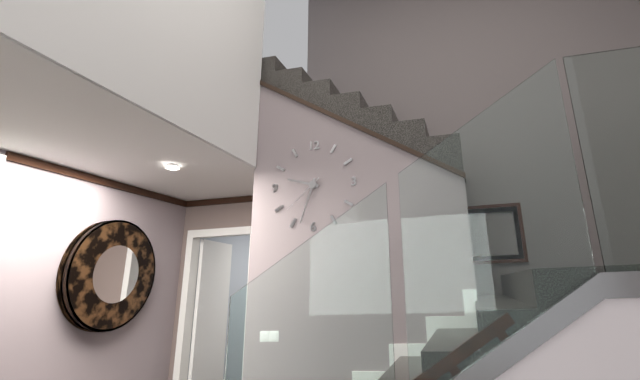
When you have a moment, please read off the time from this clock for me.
9:33
